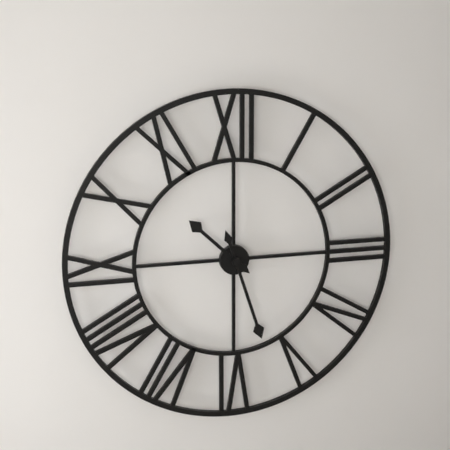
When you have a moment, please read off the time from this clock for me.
10:27
